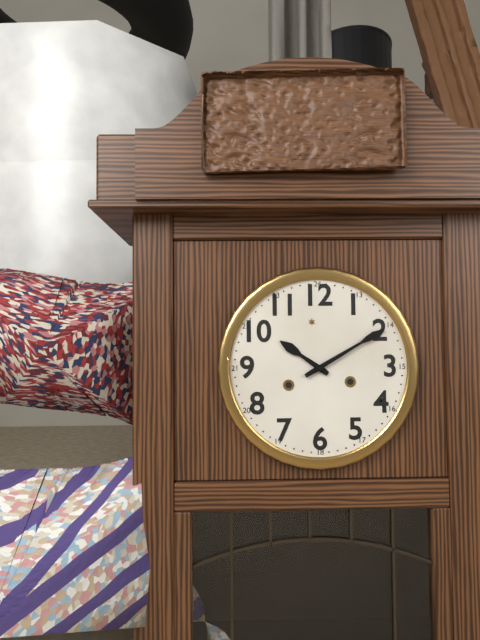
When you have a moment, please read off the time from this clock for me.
10:10
